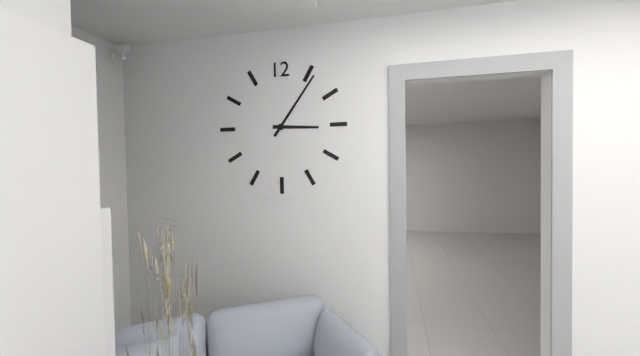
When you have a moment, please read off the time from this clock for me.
3:06
